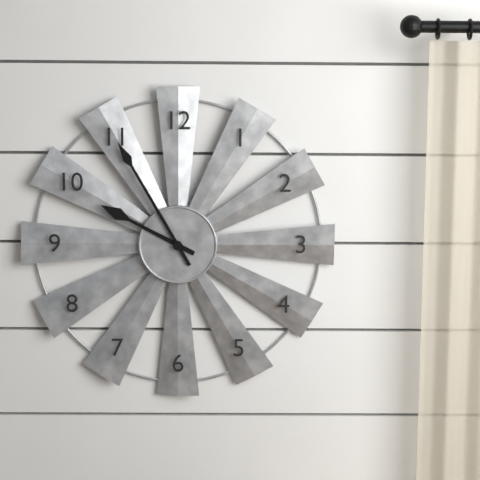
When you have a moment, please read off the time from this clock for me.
9:55
